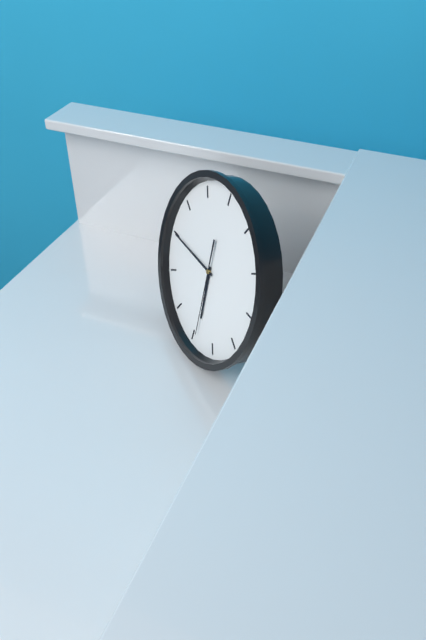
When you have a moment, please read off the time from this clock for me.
5:45:29
